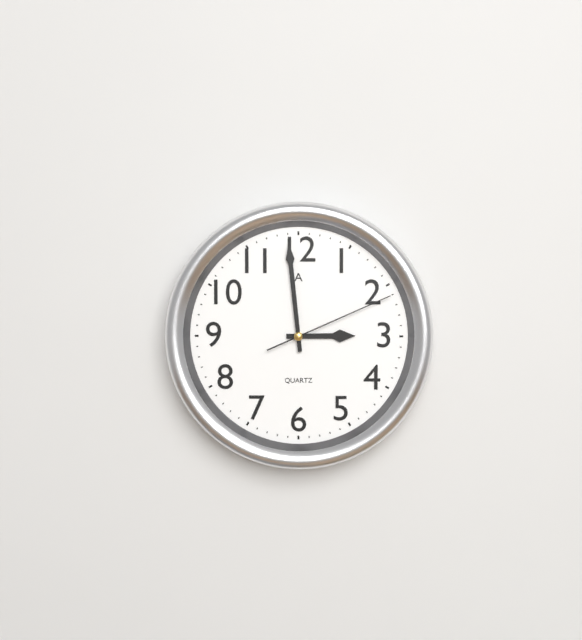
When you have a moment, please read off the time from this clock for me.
2:59:11
